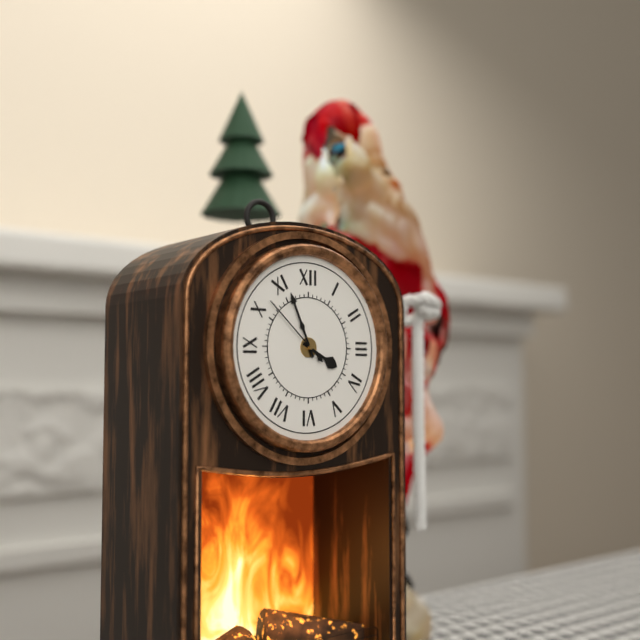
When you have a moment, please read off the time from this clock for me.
3:56:52
